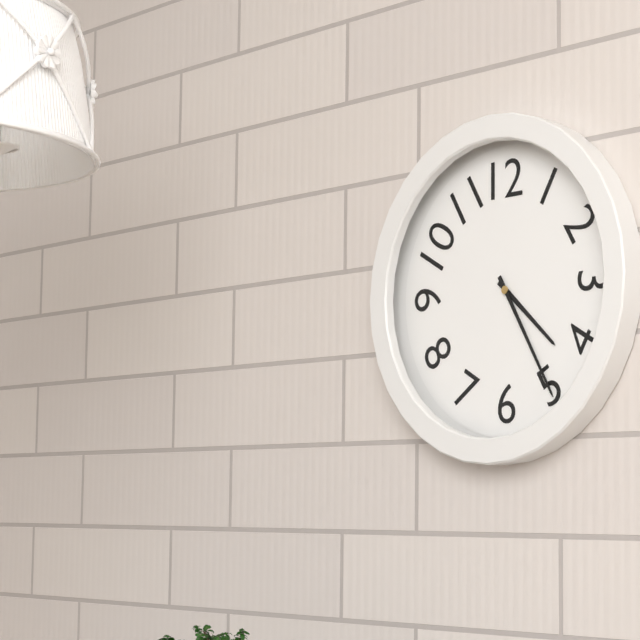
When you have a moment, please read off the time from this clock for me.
4:25
